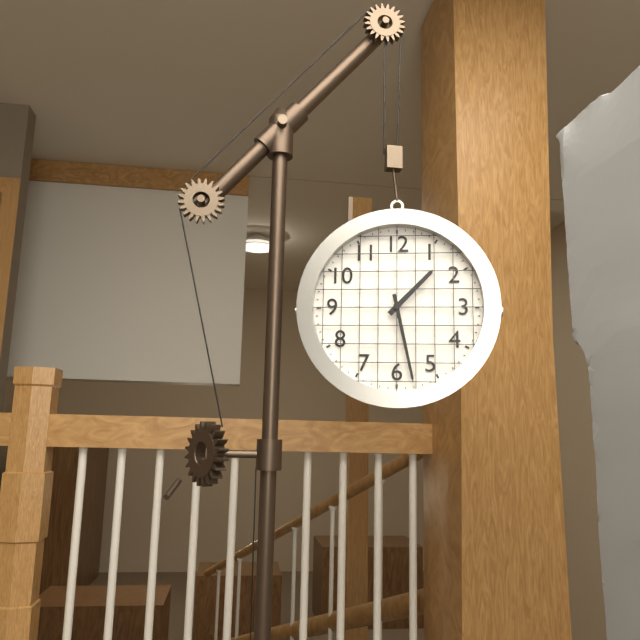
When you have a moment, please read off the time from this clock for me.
1:28
